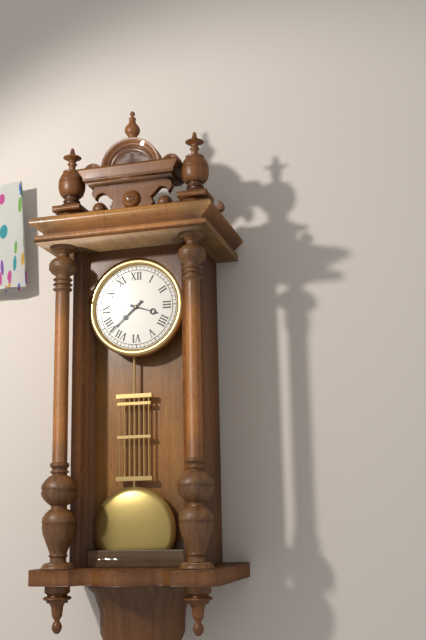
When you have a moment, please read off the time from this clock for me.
3:38
